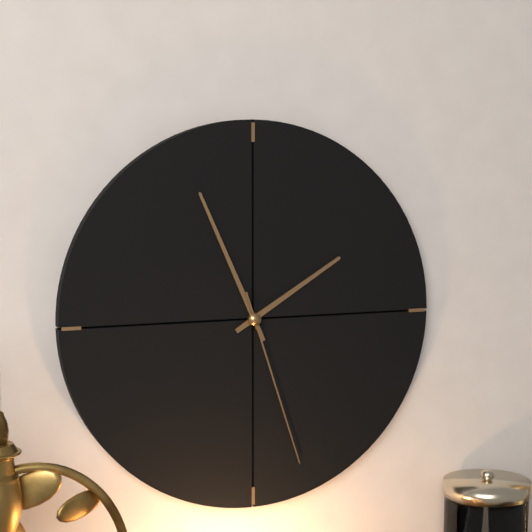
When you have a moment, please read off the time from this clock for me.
1:56:27
